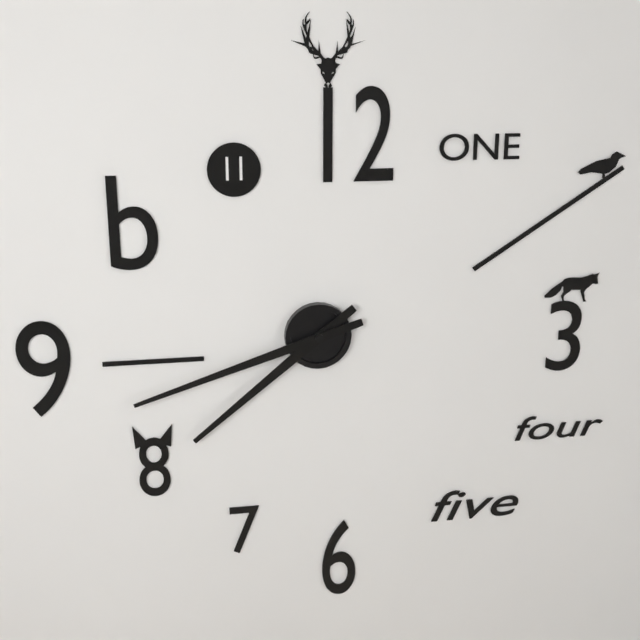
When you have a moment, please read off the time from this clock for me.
7:42
